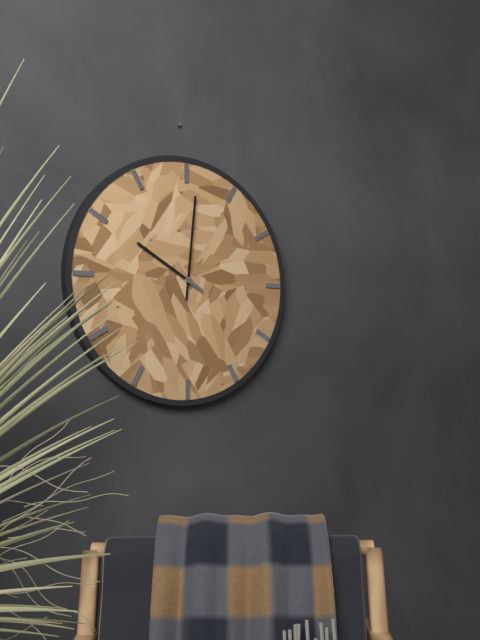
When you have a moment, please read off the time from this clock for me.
10:01
